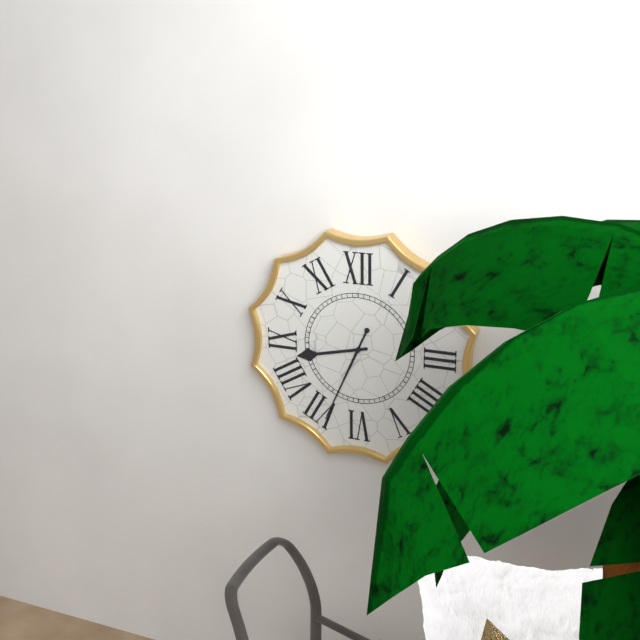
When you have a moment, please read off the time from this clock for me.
8:34
